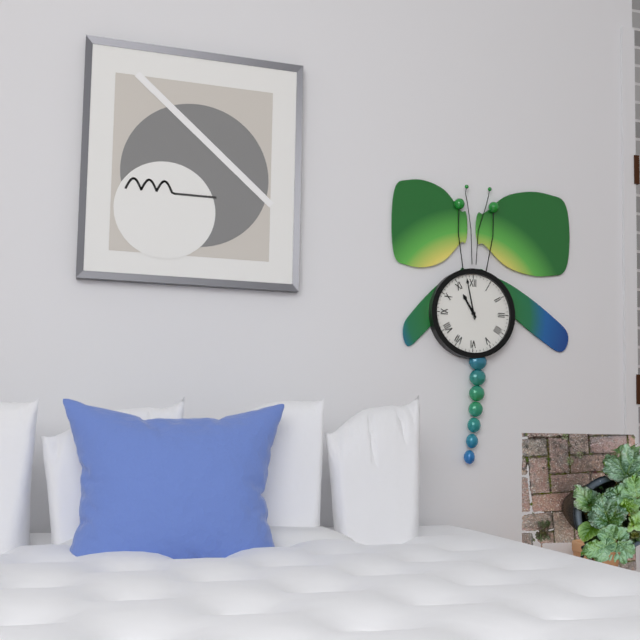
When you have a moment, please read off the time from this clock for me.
10:58
